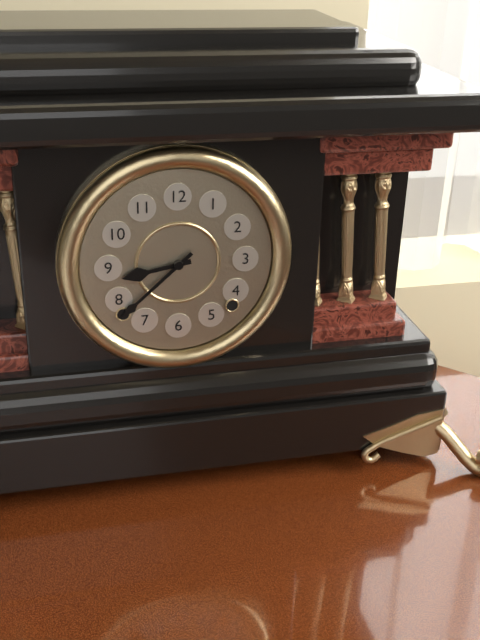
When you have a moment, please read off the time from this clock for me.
8:38
